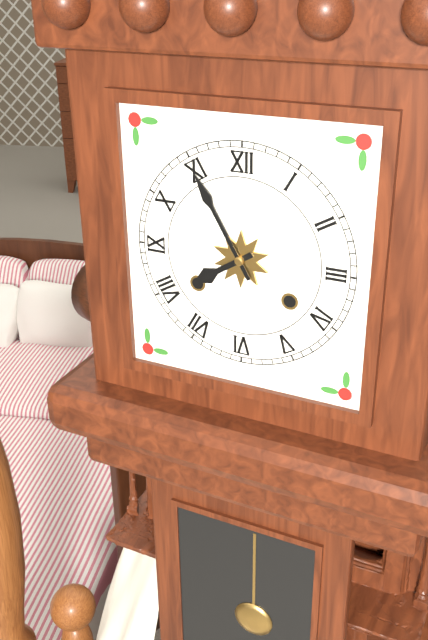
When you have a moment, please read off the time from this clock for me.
7:55
